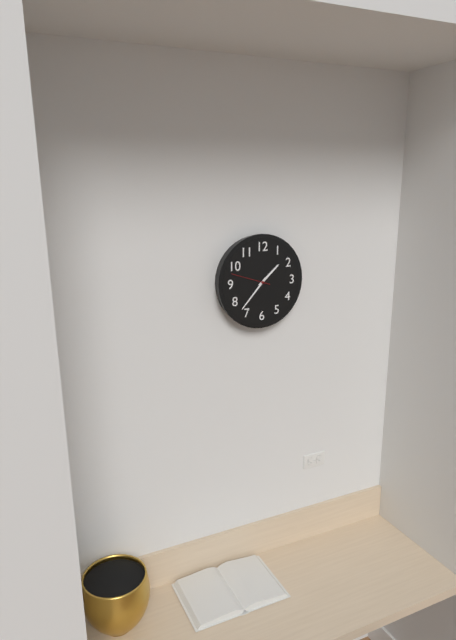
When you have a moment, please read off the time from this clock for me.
1:37
